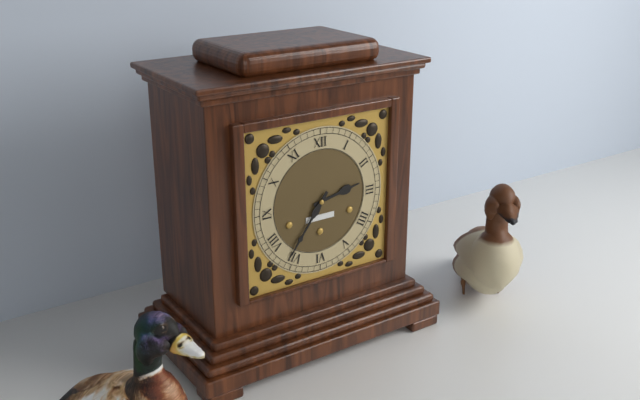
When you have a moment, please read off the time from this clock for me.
2:36
